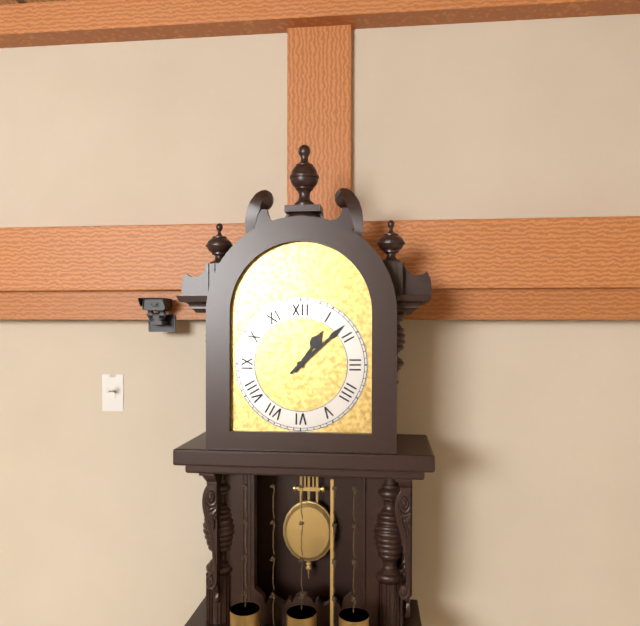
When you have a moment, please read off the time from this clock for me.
1:08
